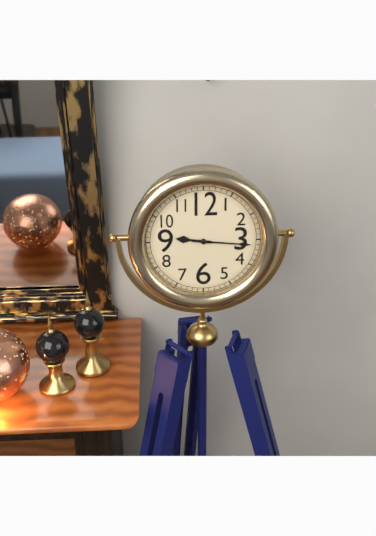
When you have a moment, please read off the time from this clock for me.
9:16
